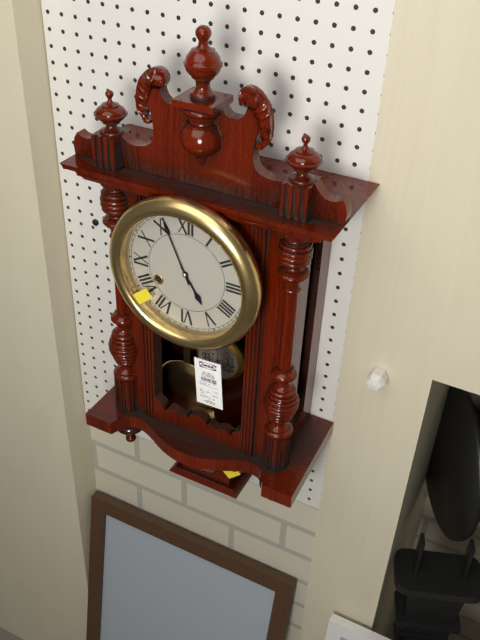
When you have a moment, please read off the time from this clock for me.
4:56
